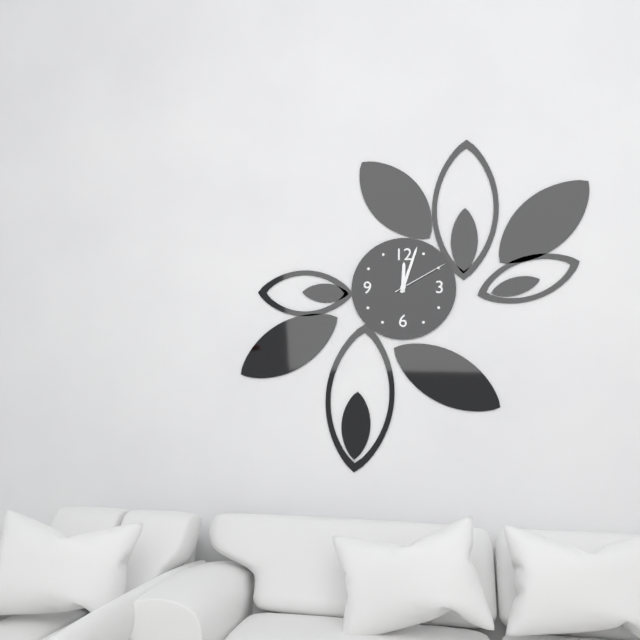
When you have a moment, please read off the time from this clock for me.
12:03:10
